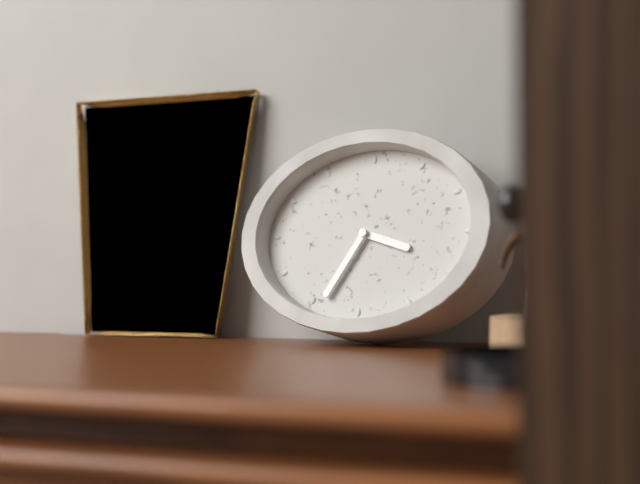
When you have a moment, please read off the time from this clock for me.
3:35
